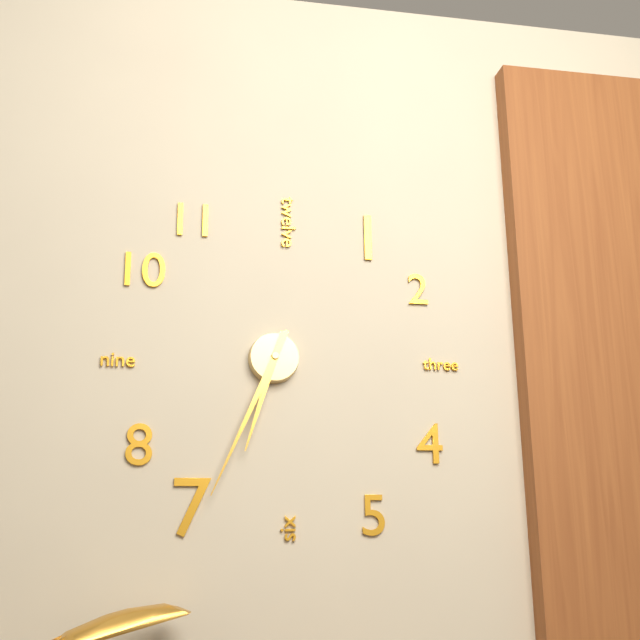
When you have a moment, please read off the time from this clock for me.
6:34
